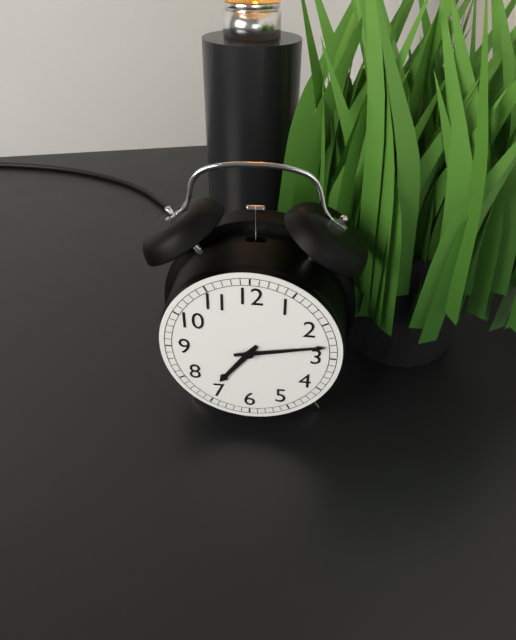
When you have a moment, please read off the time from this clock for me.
7:13
